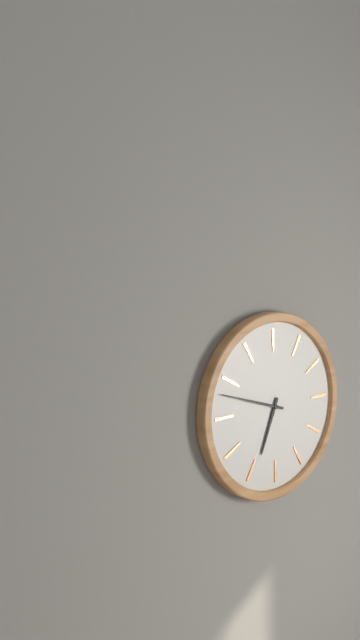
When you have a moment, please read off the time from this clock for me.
6:48
